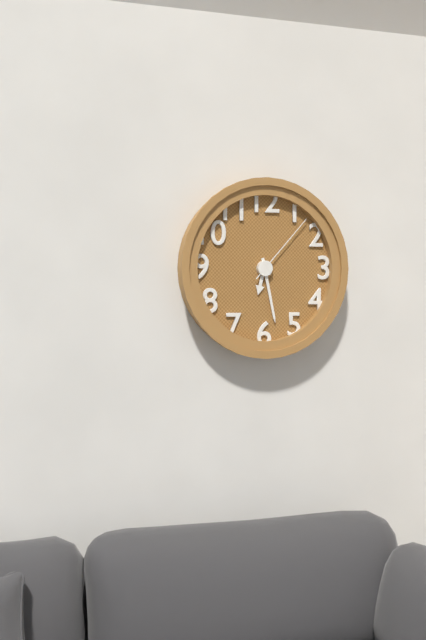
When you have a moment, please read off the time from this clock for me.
6:28:07
